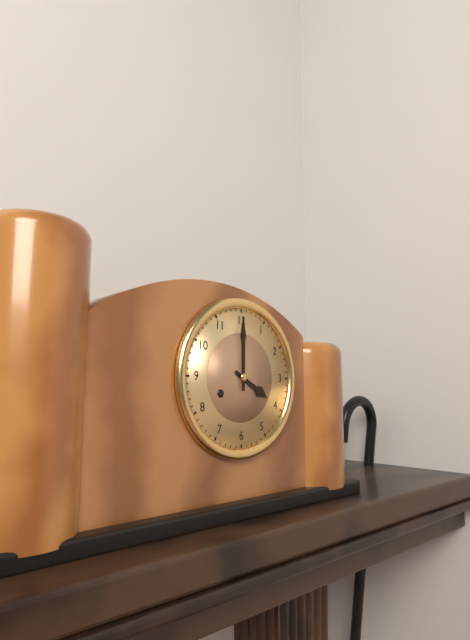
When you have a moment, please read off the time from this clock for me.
4:00
